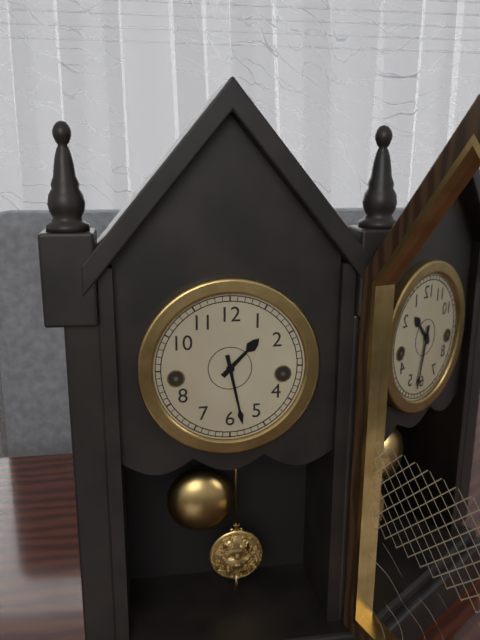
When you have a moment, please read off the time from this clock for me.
1:28
